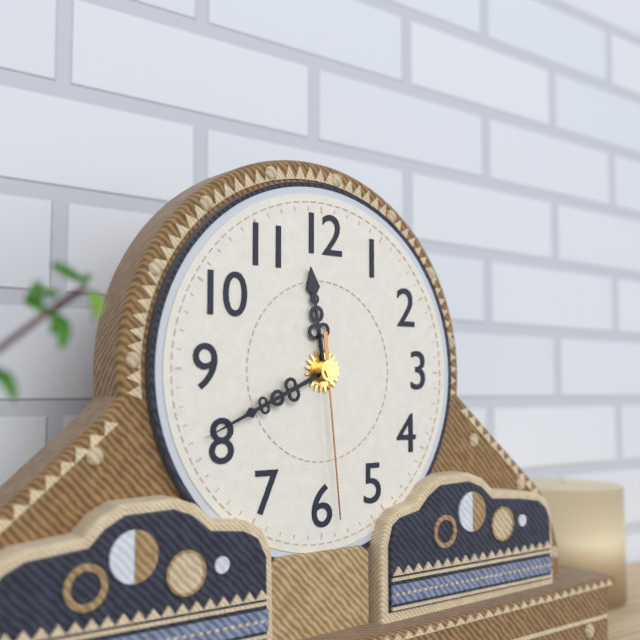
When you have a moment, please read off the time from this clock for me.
11:41:29
